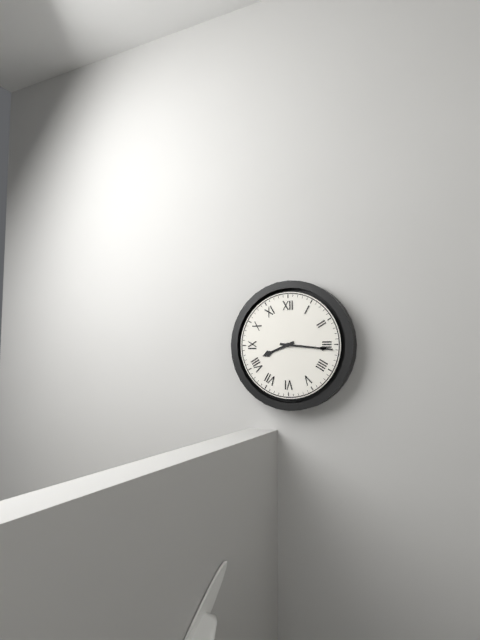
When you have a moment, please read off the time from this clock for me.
8:16
